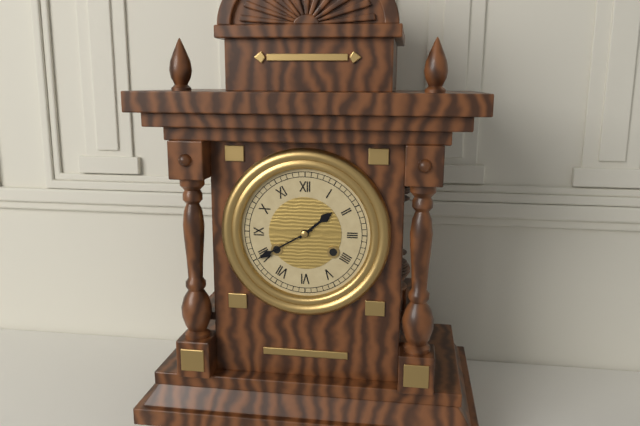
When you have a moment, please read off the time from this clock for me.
1:40
